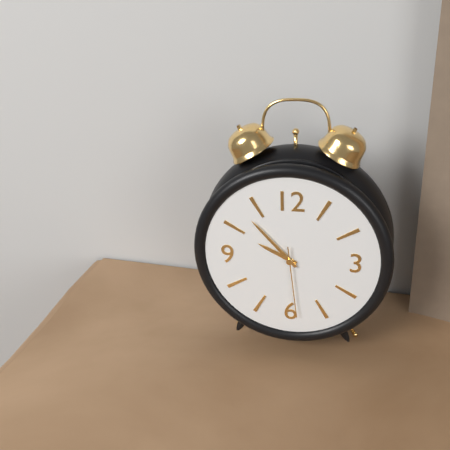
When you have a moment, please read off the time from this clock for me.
9:53:29
